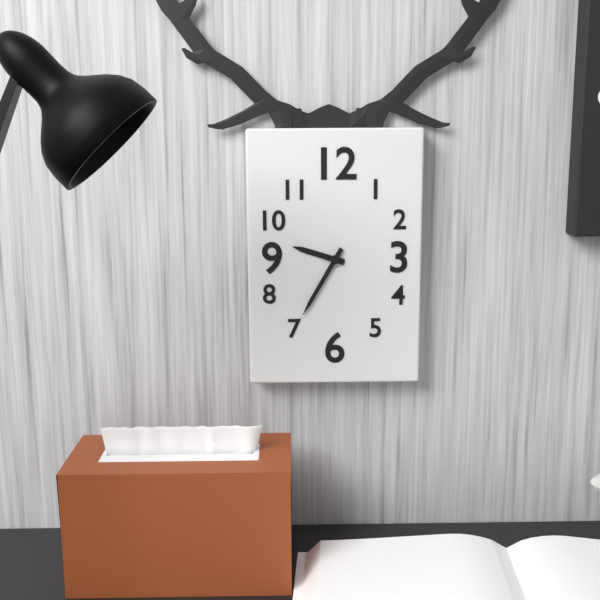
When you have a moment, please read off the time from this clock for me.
9:35
